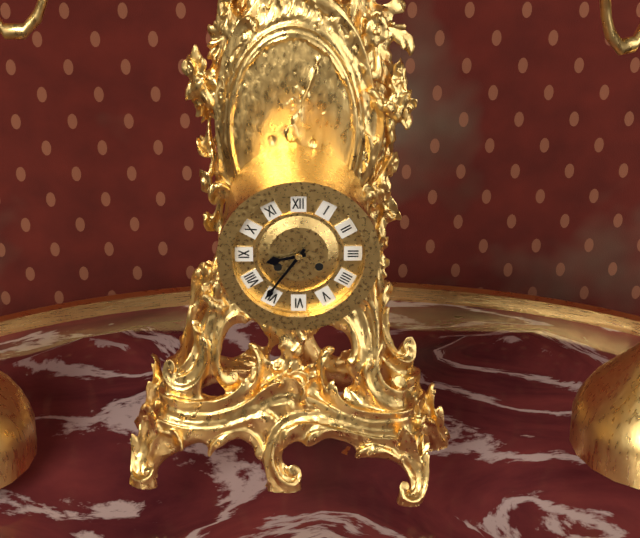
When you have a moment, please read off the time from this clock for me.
8:36
